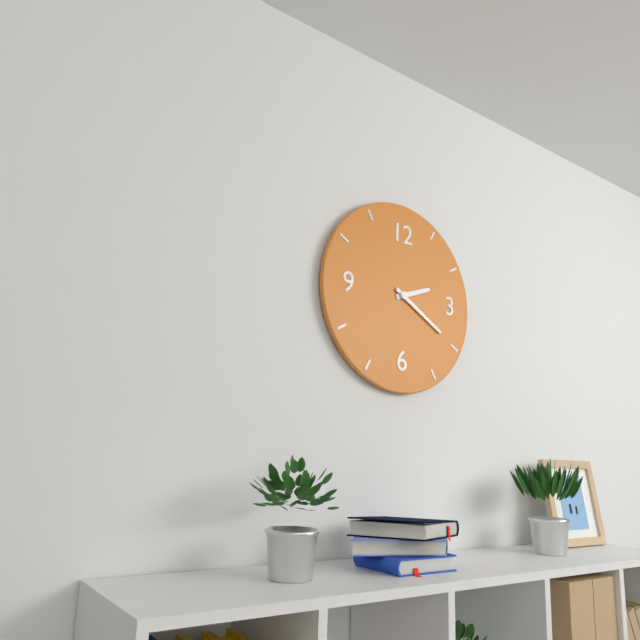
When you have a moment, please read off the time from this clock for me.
2:20
